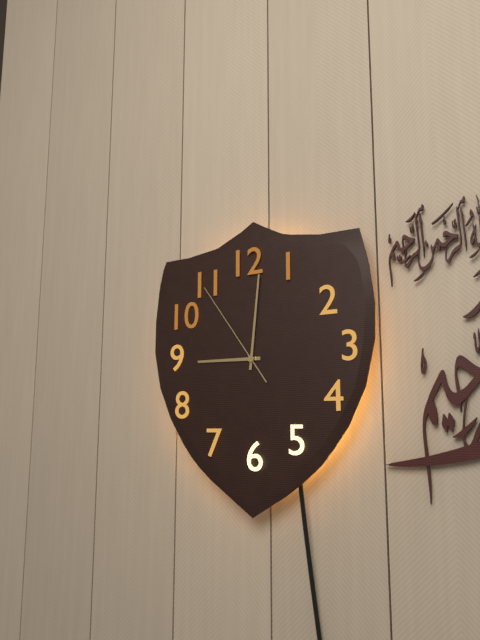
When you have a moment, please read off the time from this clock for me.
9:01:54
